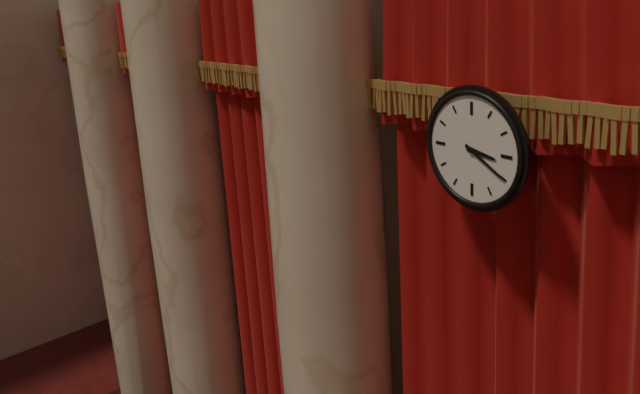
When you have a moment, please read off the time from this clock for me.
3:20
